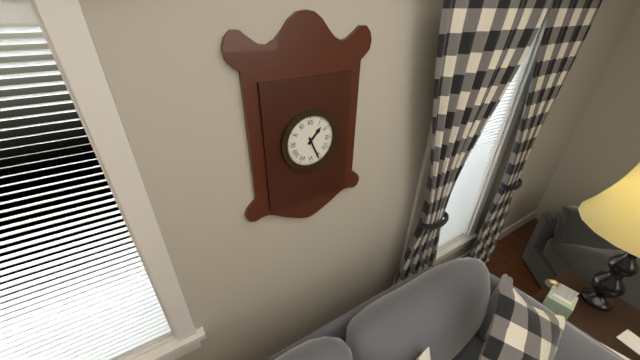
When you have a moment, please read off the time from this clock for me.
1:26
